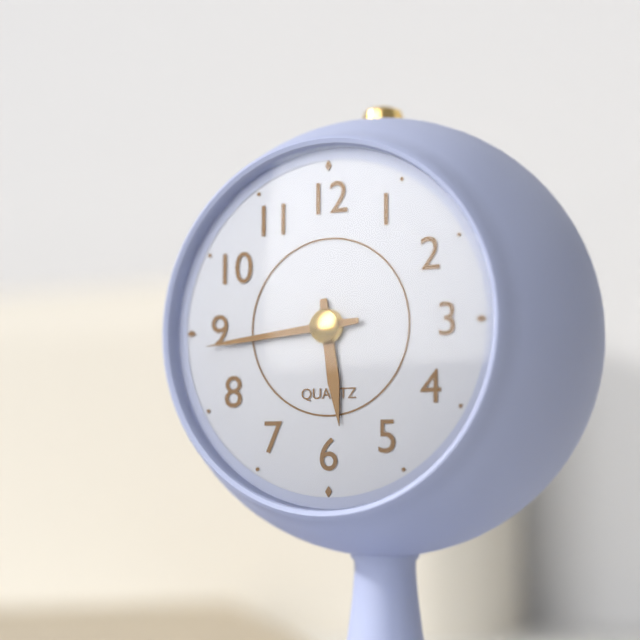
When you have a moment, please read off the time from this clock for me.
5:44
